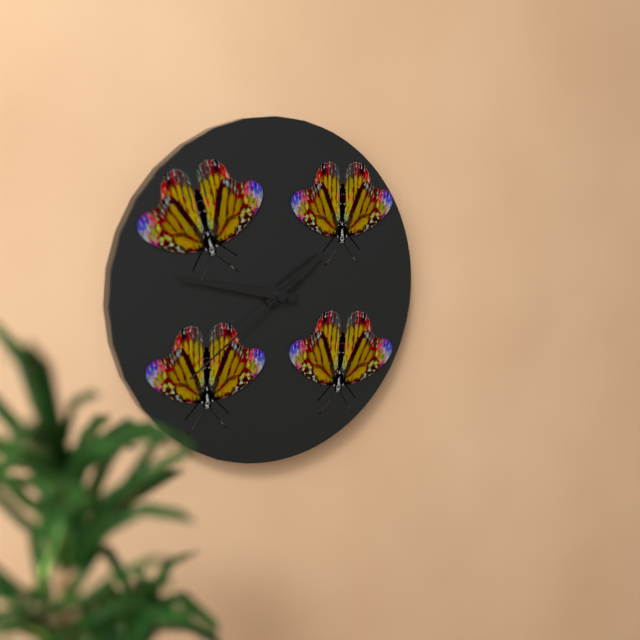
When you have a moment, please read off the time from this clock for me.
1:47:39
